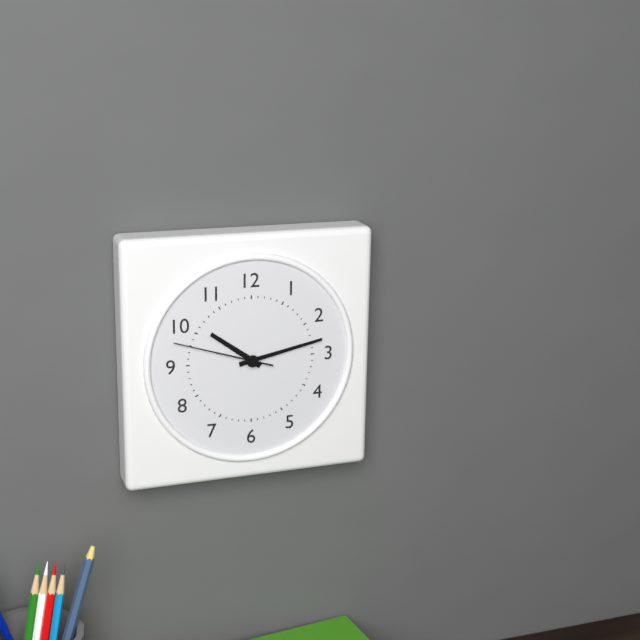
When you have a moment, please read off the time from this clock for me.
10:13:48
